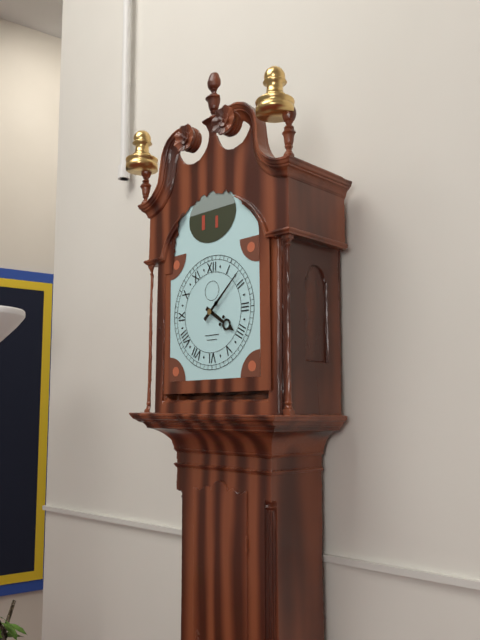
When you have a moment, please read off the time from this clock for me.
4:08
